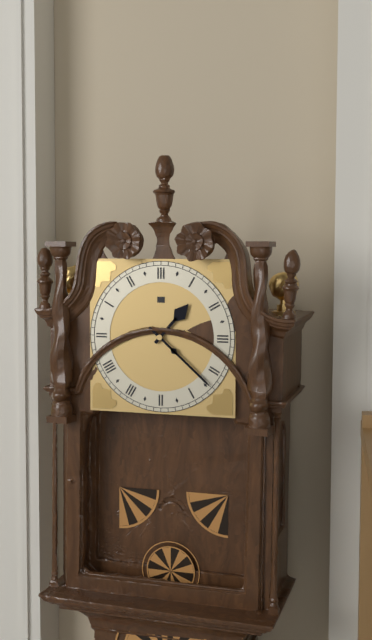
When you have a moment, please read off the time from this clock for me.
1:22
